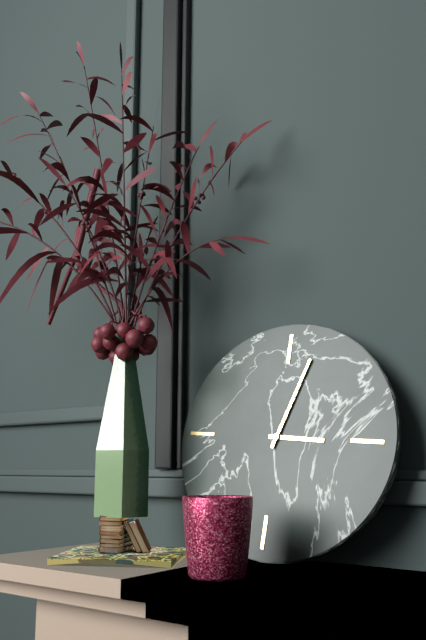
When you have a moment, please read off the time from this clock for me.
3:03
